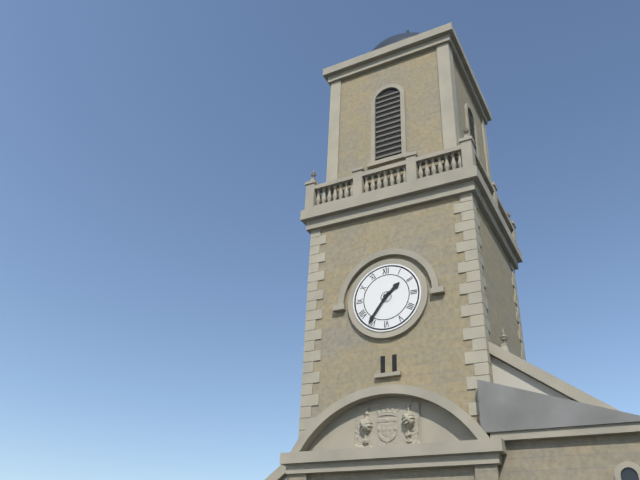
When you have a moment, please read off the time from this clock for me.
1:36
